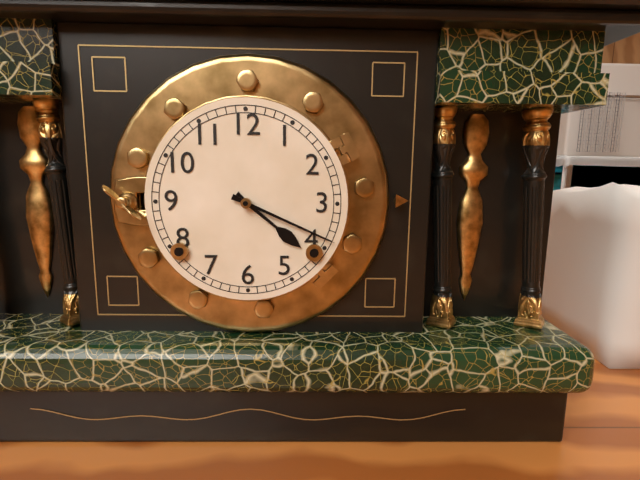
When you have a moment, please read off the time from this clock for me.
4:19
